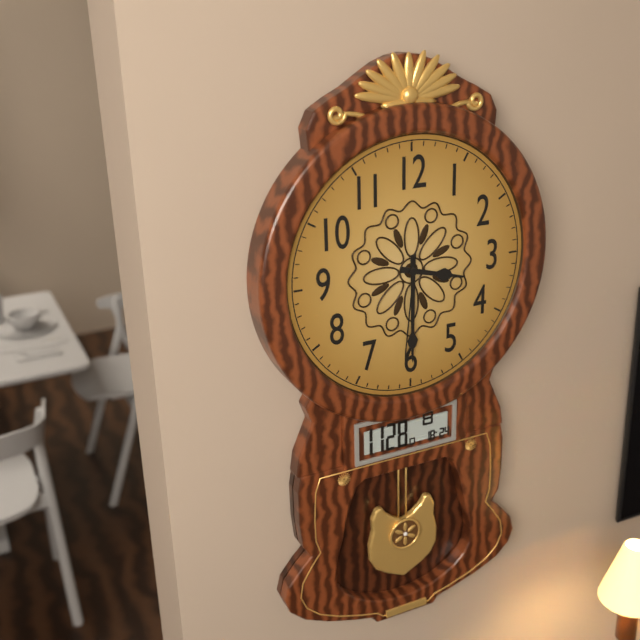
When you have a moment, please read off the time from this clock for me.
3:30:31
